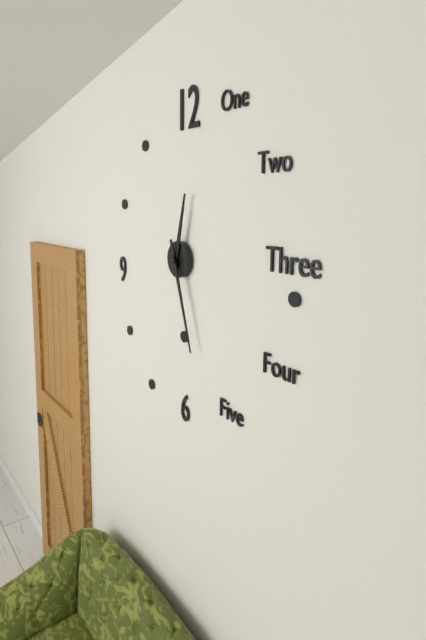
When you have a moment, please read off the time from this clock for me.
12:27
